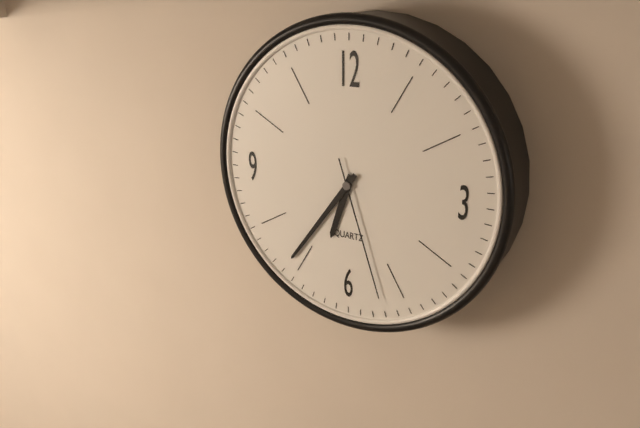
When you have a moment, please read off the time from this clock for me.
6:36:27
